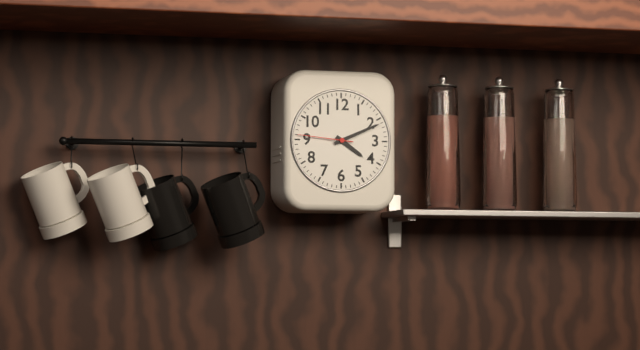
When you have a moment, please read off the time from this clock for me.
4:11:46
